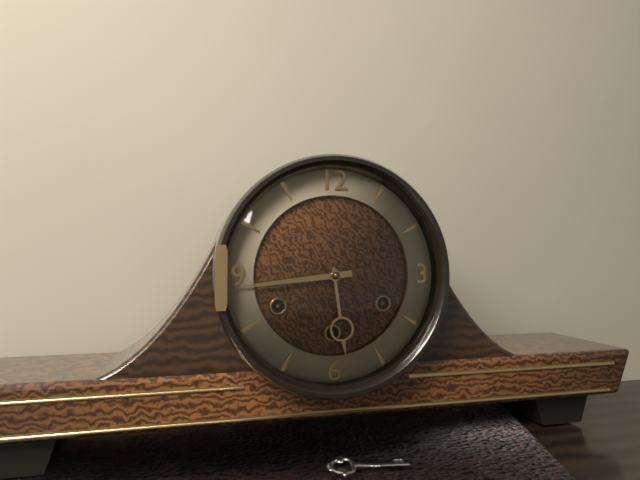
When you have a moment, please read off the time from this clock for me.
5:44
